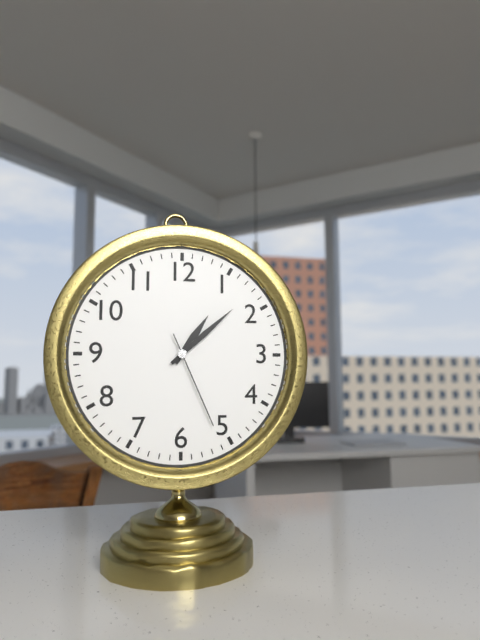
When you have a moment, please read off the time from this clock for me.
1:08:26
